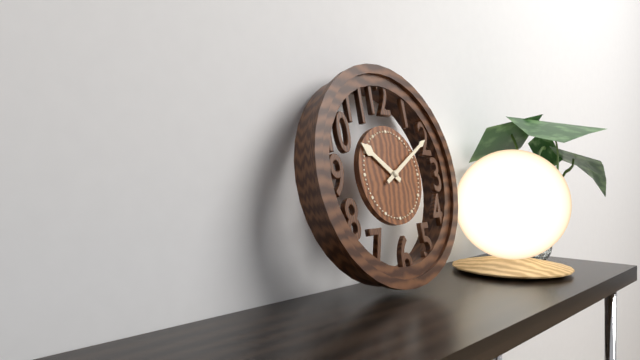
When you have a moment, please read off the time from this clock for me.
10:10
